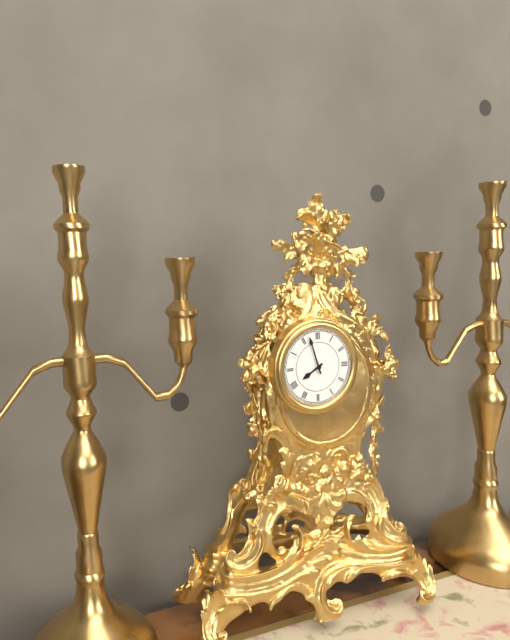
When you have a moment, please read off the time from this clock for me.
7:57
